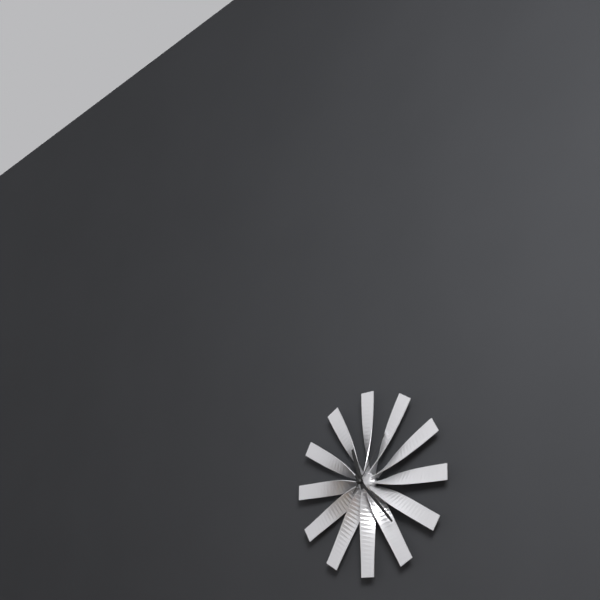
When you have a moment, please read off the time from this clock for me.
11:23:06
